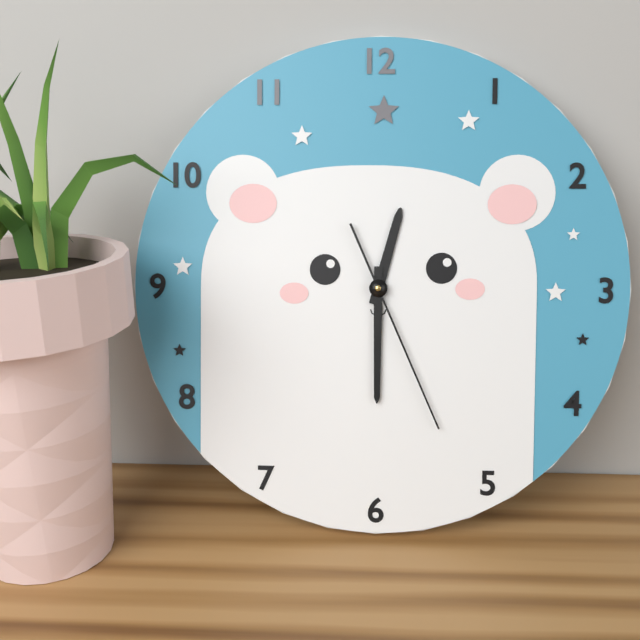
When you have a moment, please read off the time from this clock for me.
12:30:26
